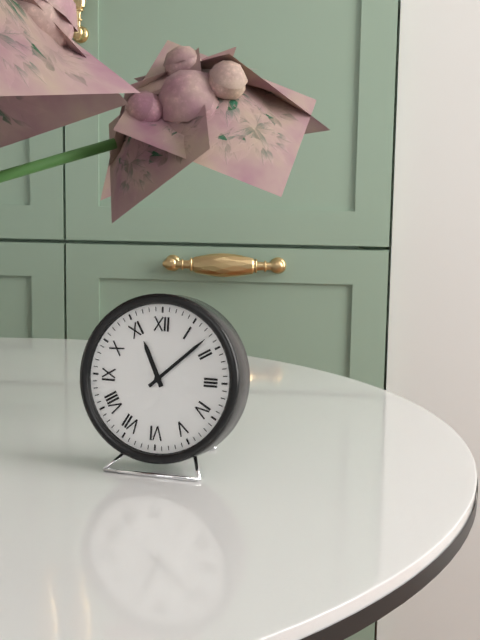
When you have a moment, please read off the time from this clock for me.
11:08
